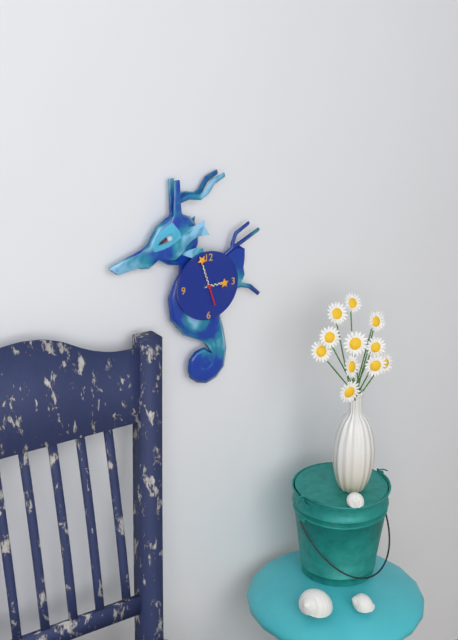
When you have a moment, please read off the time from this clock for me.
2:57
